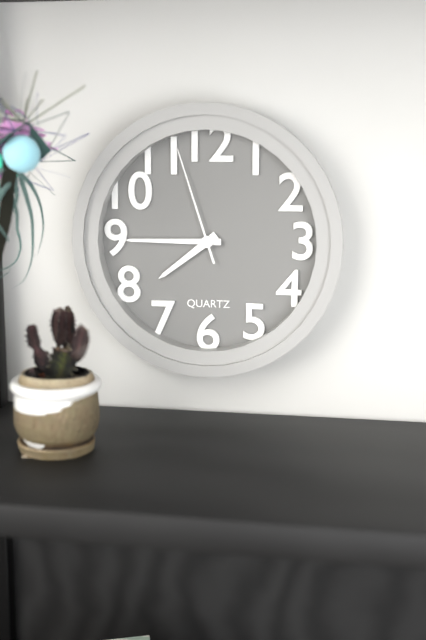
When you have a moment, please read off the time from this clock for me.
7:45:57
